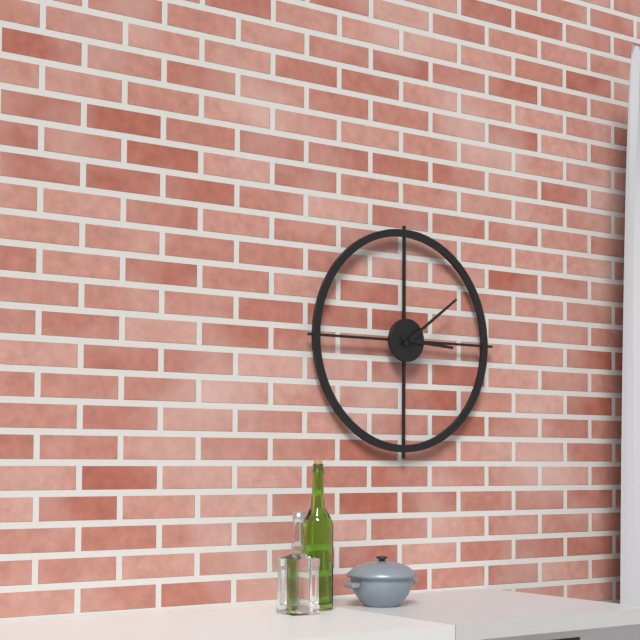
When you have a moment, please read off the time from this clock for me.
3:09
